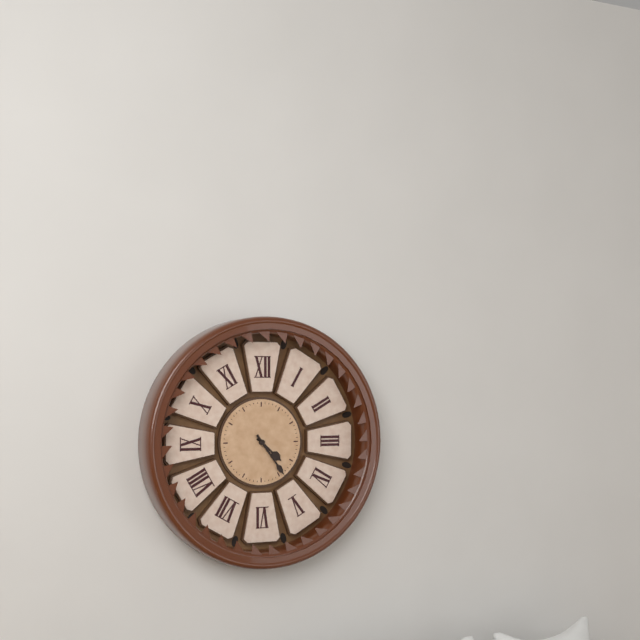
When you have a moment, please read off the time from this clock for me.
4:24
